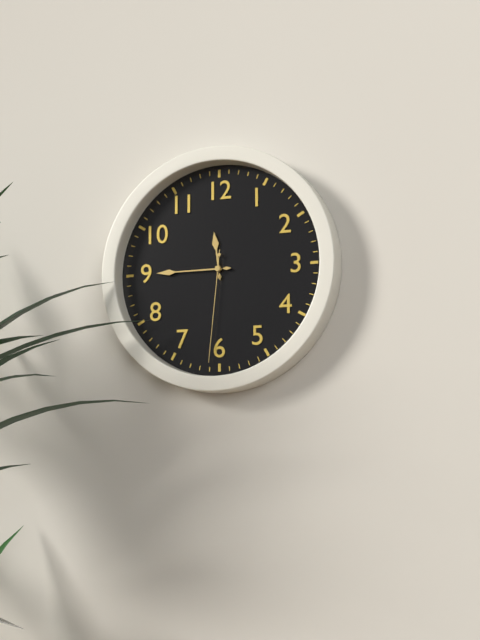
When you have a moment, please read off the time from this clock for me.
11:45:31
